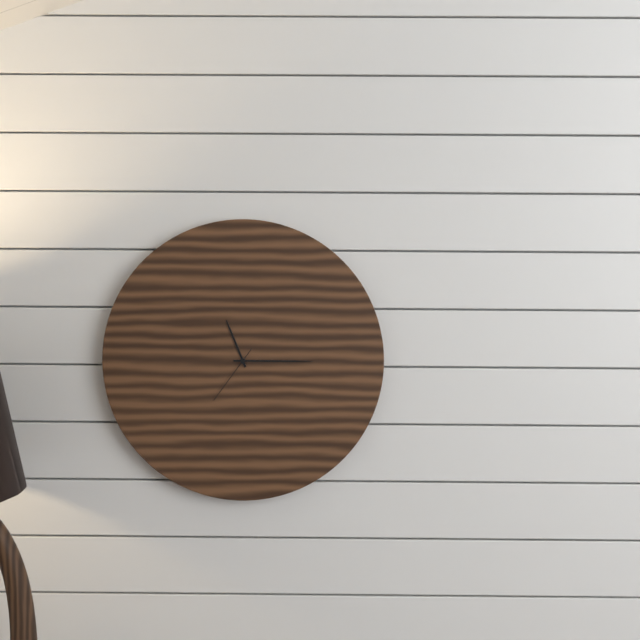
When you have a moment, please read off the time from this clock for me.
11:15:36
